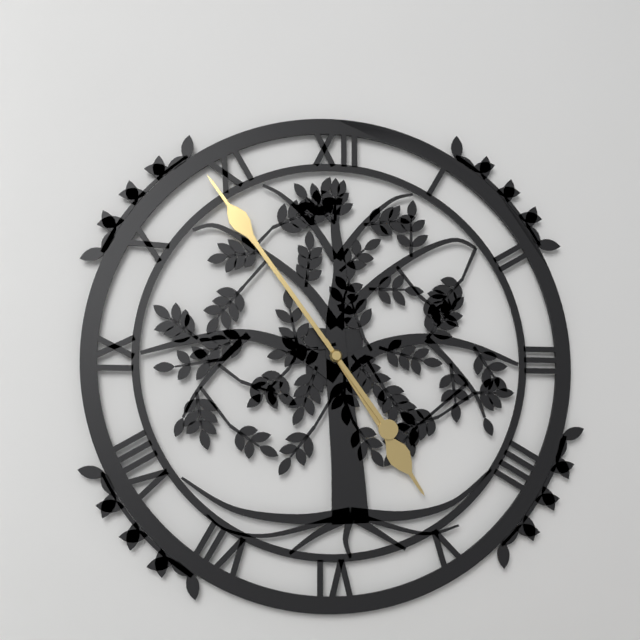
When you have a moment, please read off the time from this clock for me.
4:54
